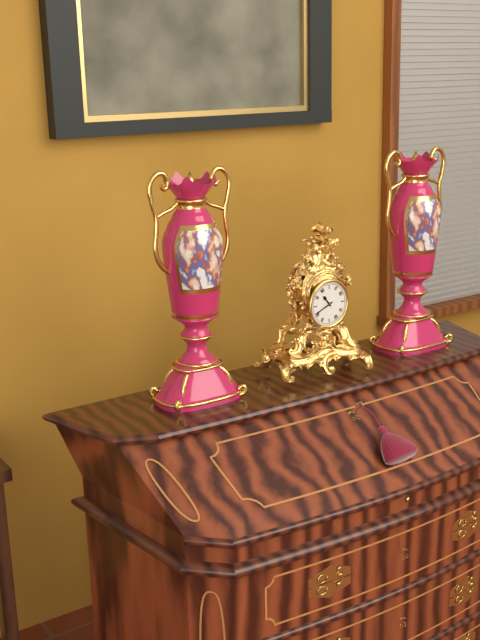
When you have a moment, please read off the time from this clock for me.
10:41
